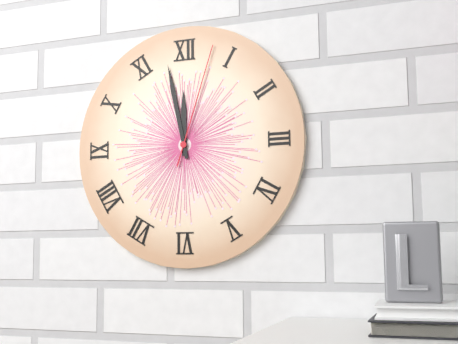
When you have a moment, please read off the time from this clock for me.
11:58:03
